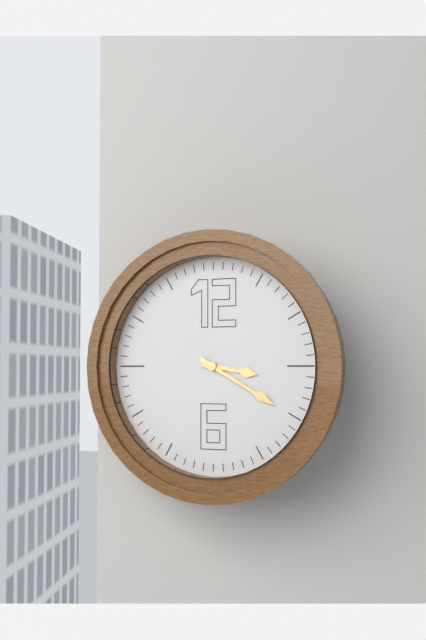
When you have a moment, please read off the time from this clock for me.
3:20
